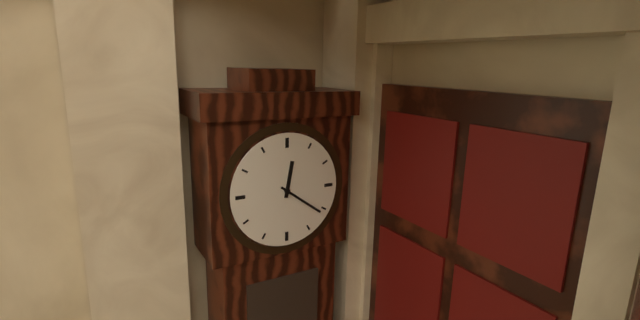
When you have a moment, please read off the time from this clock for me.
12:21
